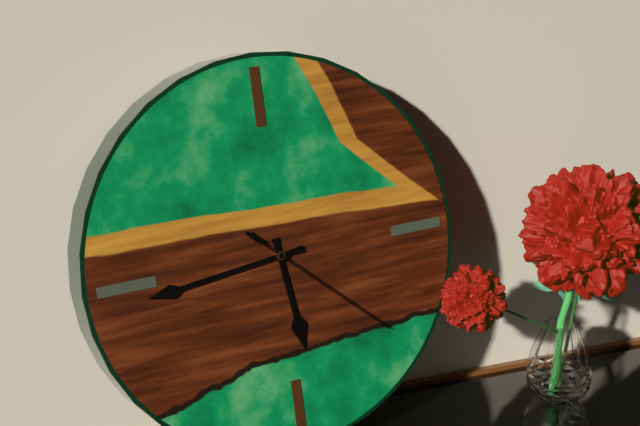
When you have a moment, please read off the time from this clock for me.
5:44:22
